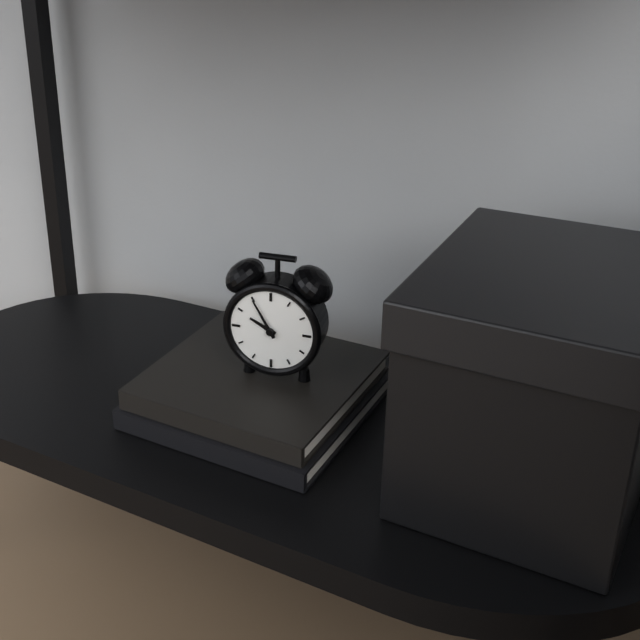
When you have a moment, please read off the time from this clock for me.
9:55
